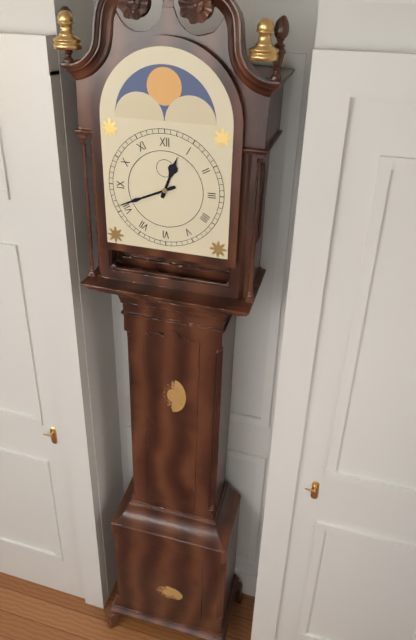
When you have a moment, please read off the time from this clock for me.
12:41
